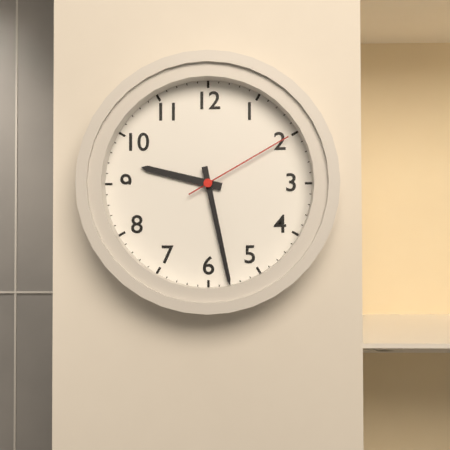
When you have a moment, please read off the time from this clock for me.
9:28:10
